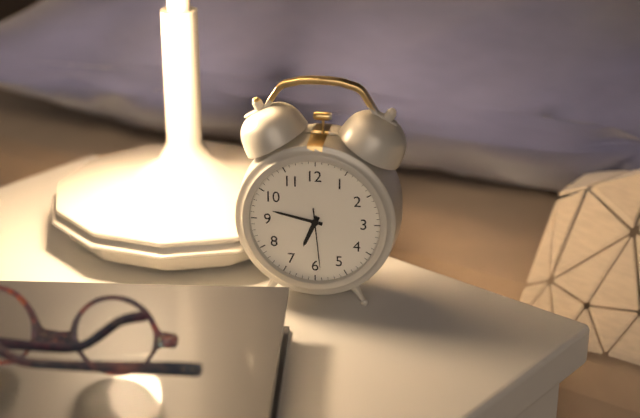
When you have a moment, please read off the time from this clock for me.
6:47:29
